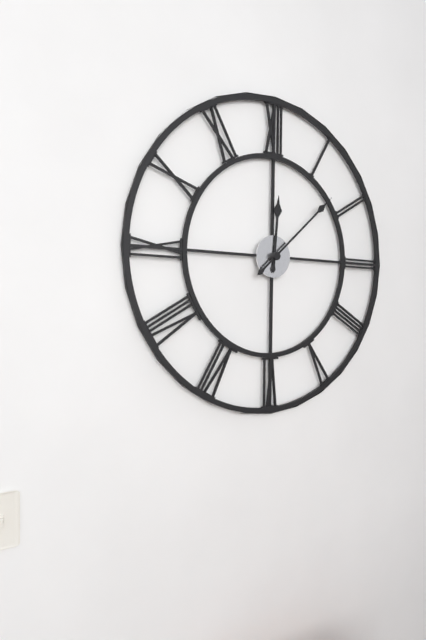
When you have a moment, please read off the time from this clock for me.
12:08
